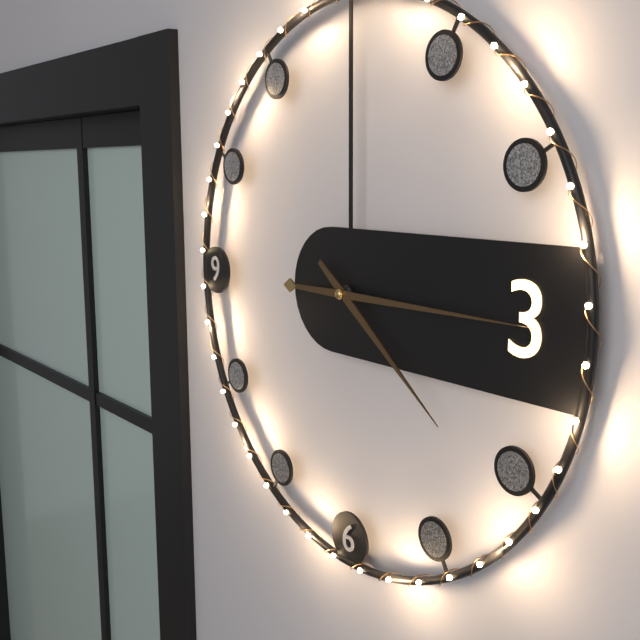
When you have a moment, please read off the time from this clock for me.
4:15
